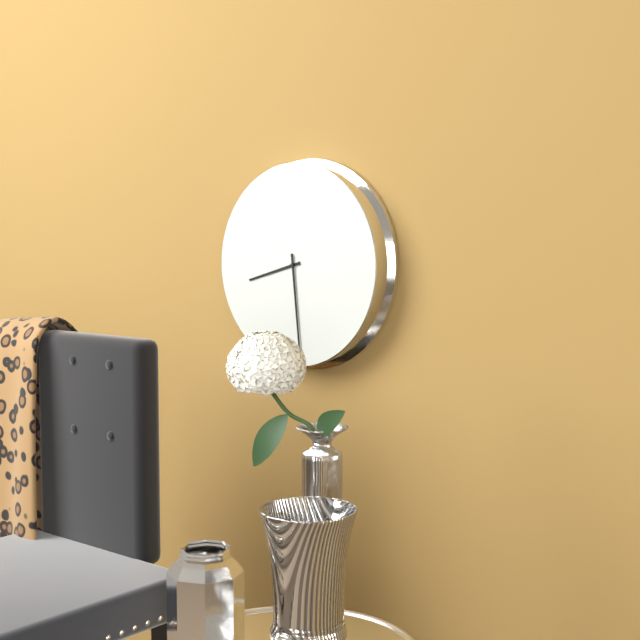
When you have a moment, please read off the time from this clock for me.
8:29
